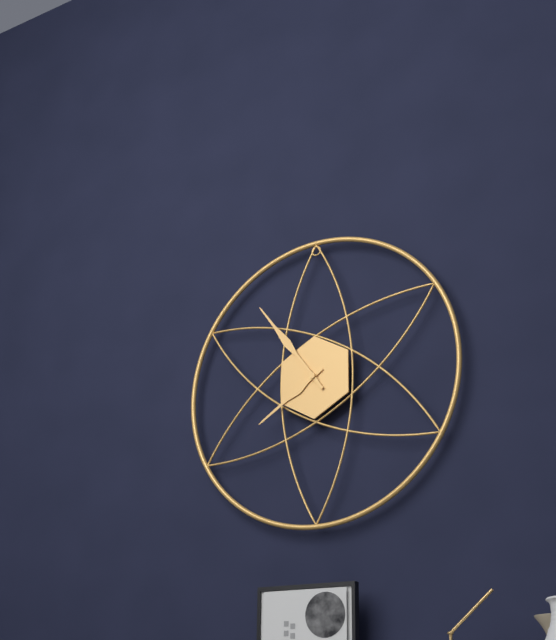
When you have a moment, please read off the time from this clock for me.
7:54
